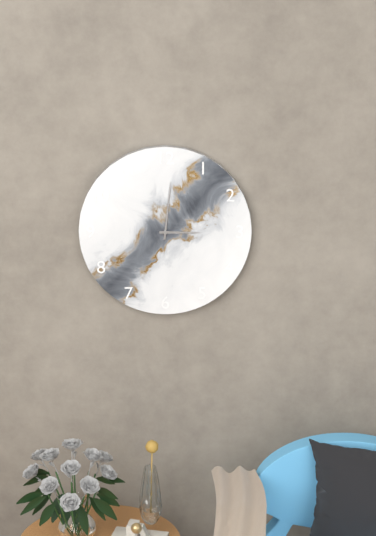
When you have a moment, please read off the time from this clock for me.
3:01
